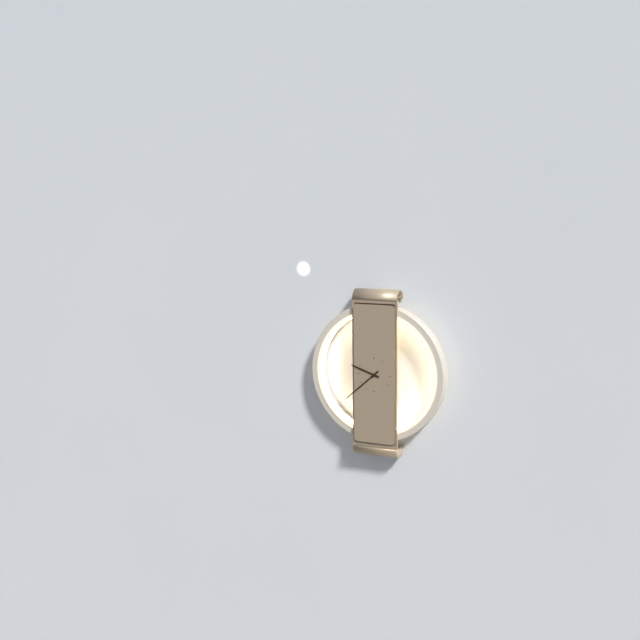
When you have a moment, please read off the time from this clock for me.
9:38
